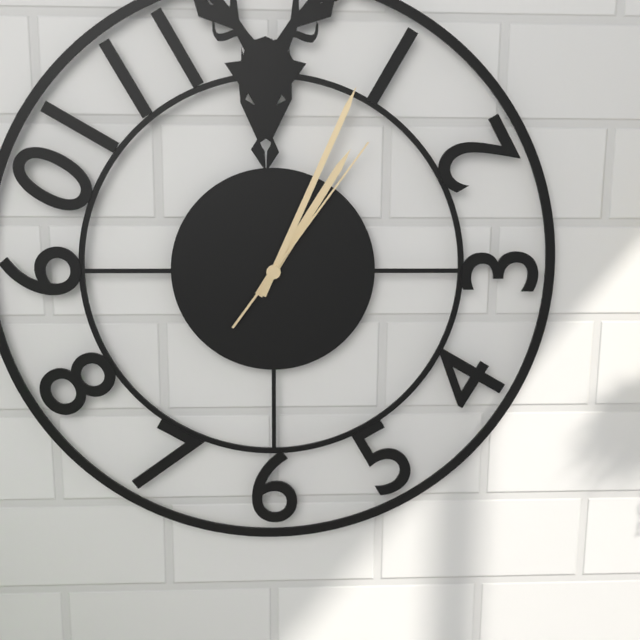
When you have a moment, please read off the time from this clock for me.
1:04:06
